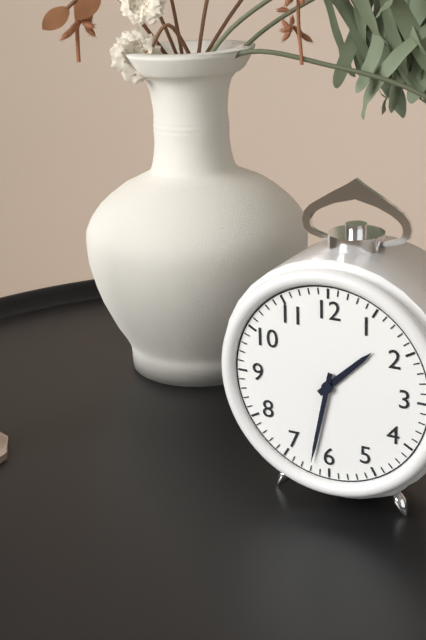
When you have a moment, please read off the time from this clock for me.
1:32
